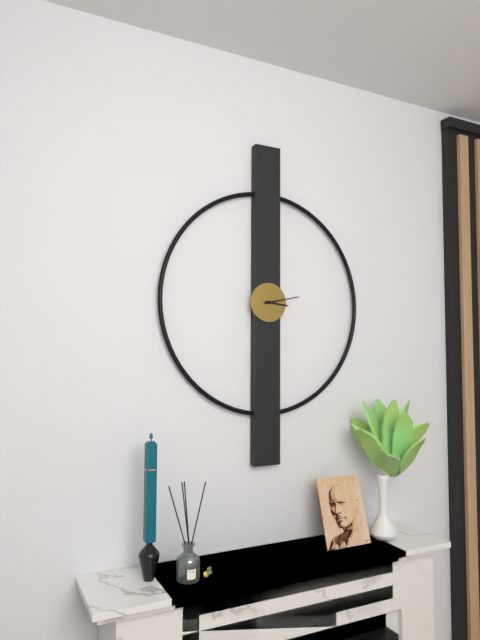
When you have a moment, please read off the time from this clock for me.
3:13
